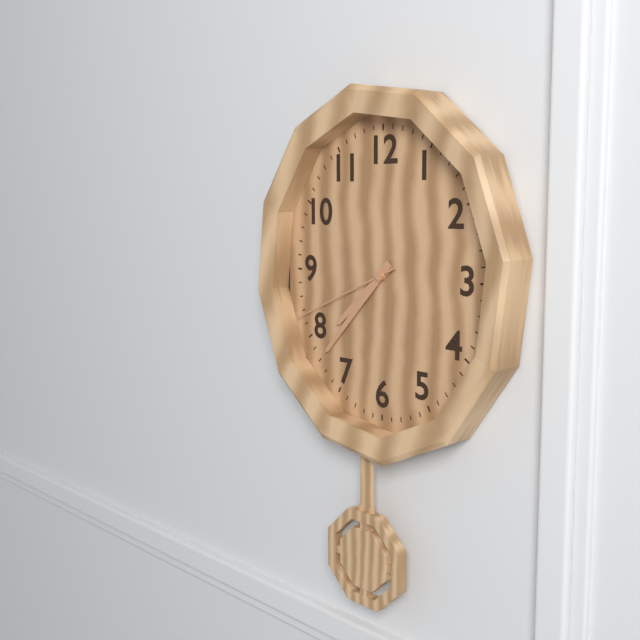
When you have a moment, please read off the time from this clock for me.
7:37:41
